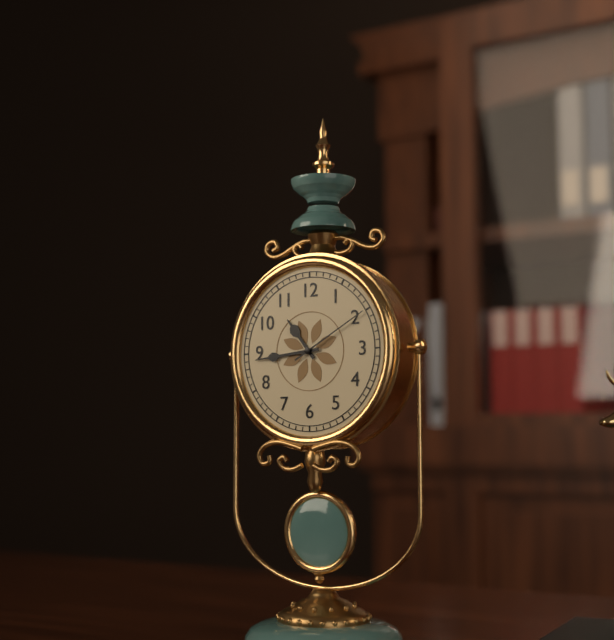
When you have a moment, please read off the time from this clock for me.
10:44:10
